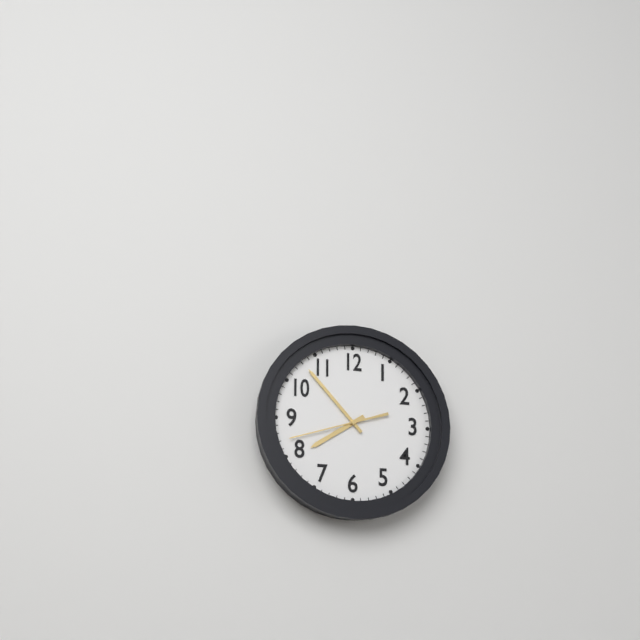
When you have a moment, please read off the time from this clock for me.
7:53:42
